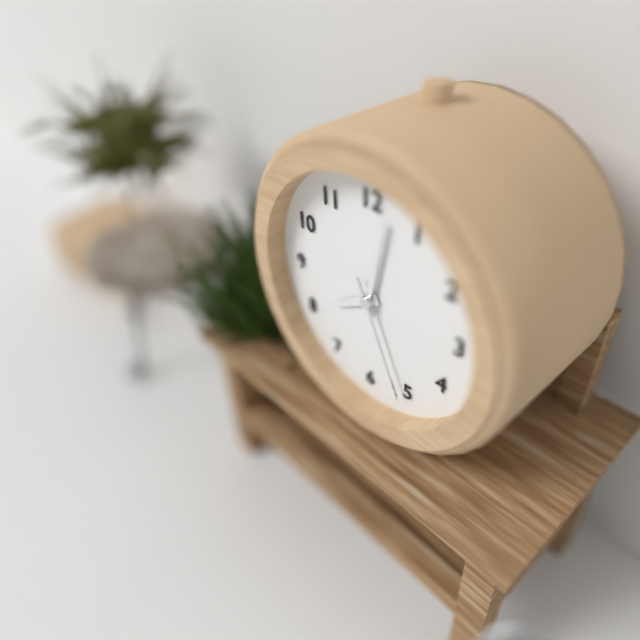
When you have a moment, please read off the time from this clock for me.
8:02:26
